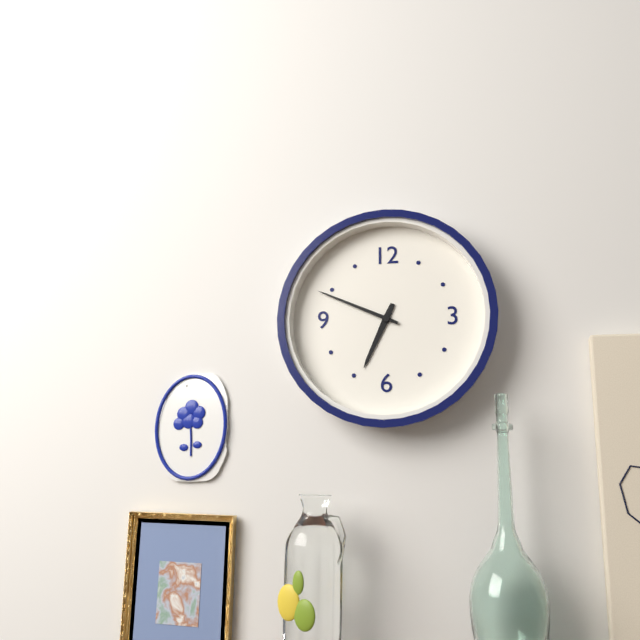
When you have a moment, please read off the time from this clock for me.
6:49
